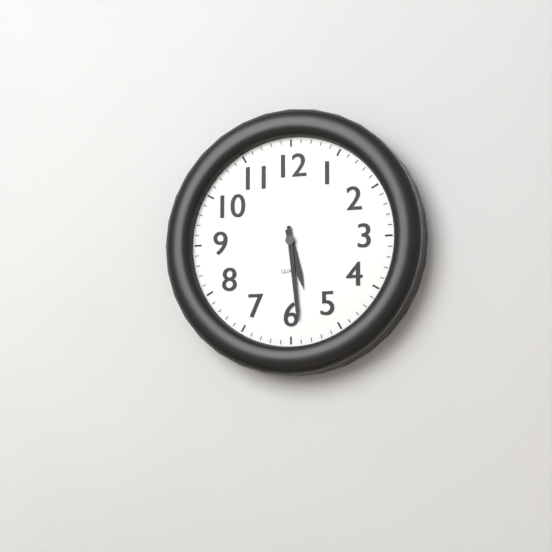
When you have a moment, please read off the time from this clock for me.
5:29
